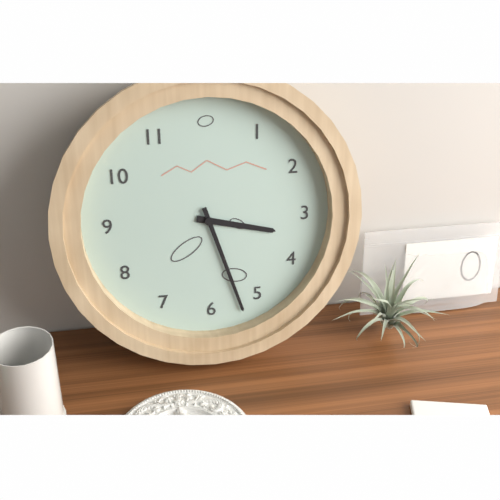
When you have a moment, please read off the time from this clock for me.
3:27
